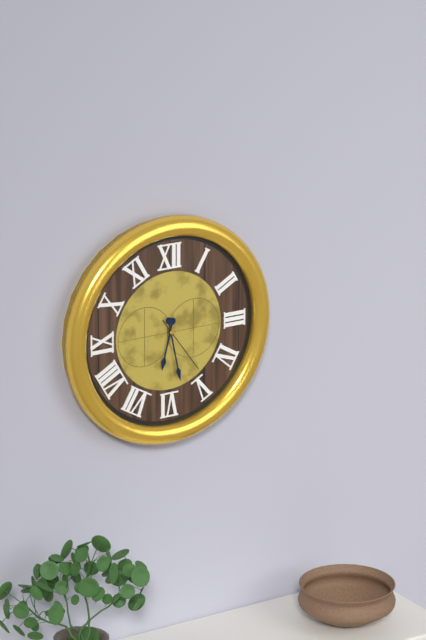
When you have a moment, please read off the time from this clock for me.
6:28:24
